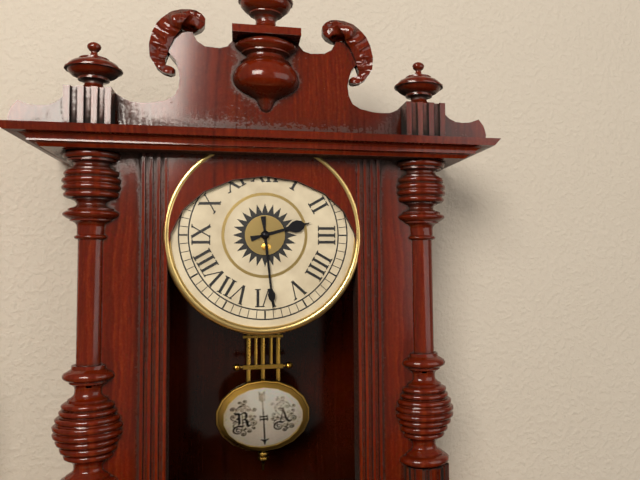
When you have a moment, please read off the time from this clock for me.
2:29
